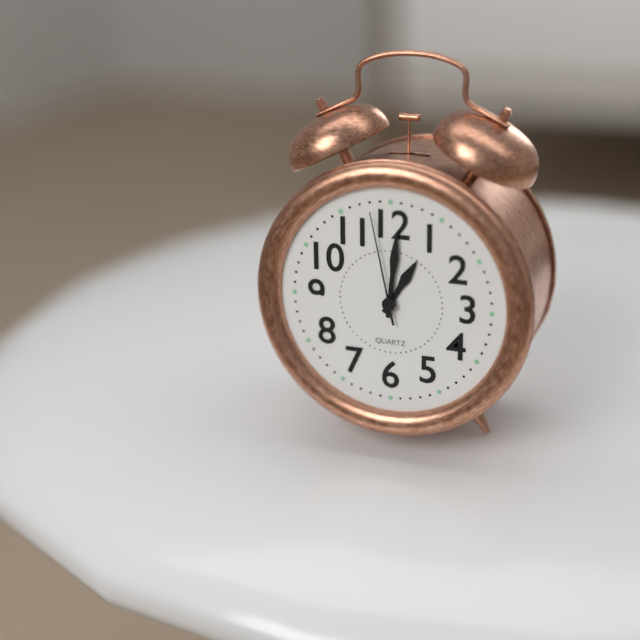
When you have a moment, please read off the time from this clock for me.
1:01:58
